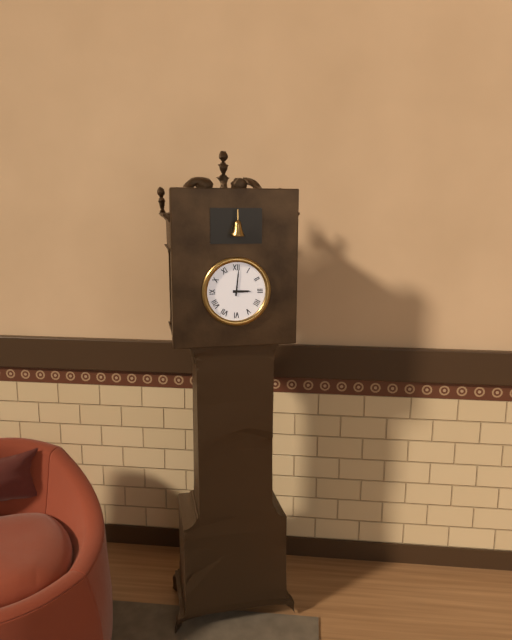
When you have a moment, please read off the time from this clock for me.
3:01
